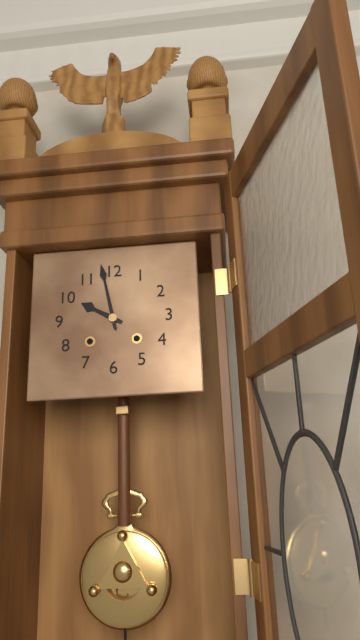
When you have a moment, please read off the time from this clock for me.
9:58
